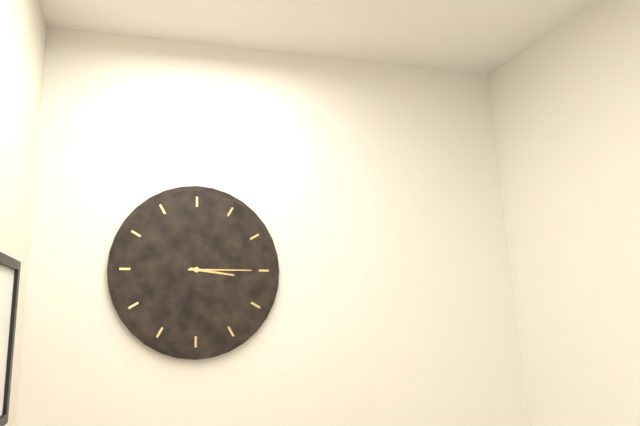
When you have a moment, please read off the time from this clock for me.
3:15
